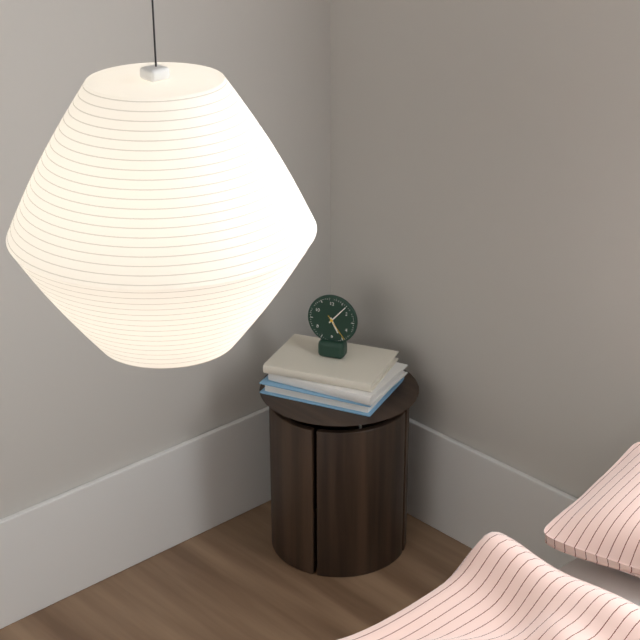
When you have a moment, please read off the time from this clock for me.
5:07
